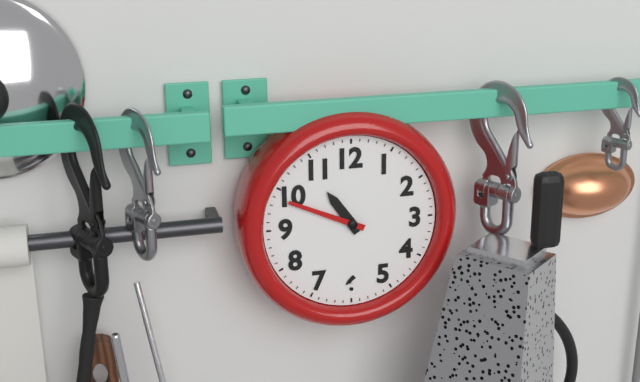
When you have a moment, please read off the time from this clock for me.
10:49
